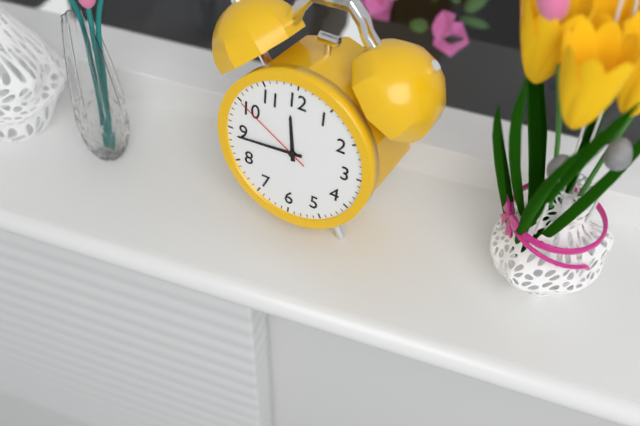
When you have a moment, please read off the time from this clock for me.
11:44:50
